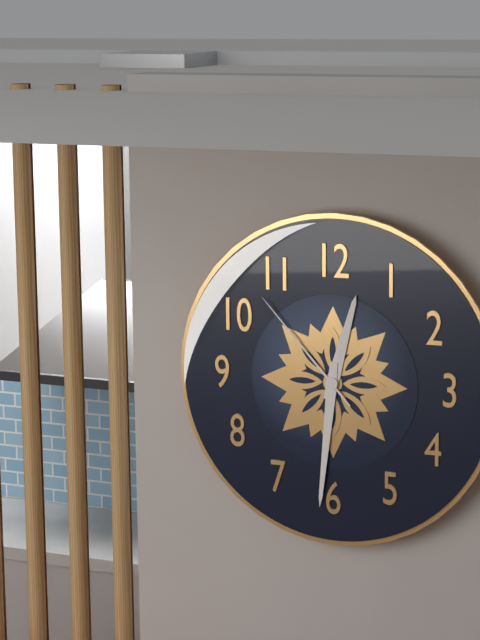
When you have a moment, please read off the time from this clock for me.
12:31:53
